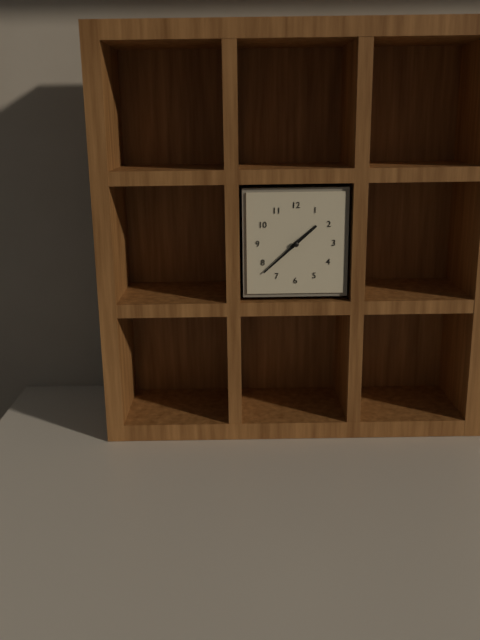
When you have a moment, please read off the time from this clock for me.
1:38
